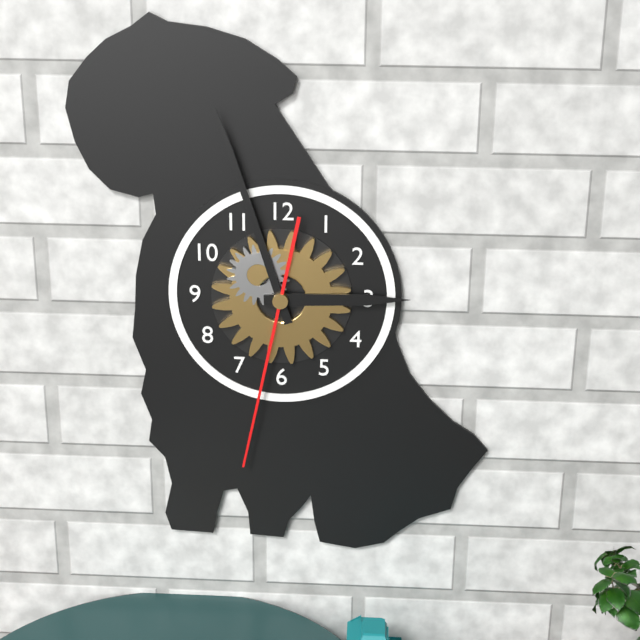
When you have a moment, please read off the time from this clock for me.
2:57:32
